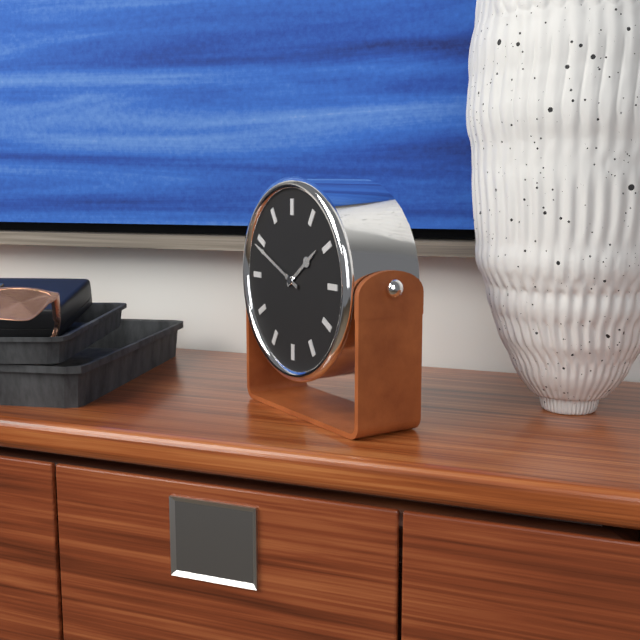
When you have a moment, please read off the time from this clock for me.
1:49
